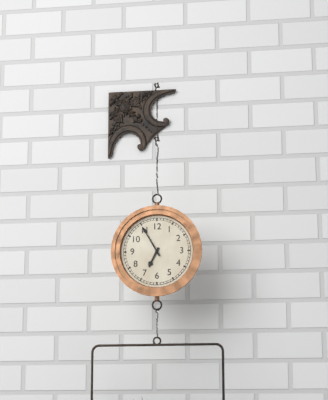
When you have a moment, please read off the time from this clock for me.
6:55
